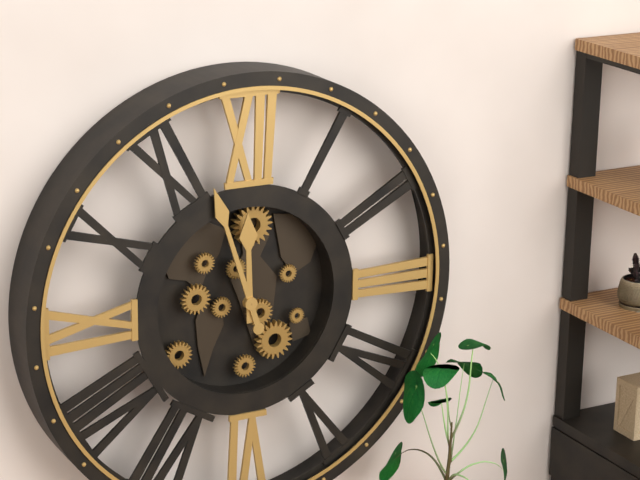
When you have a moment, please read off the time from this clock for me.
11:57
